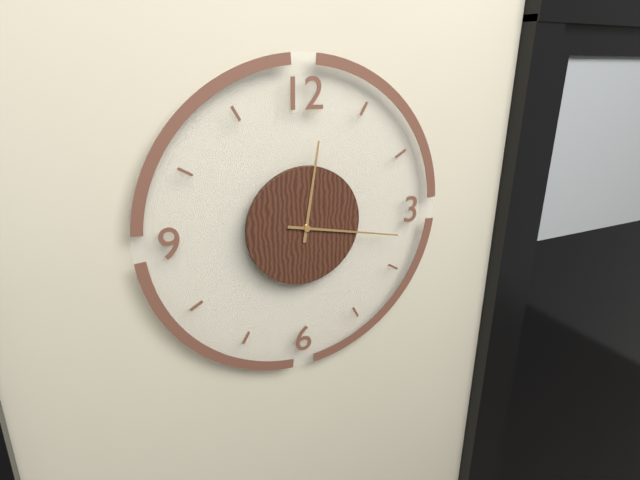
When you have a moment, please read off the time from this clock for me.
12:17
